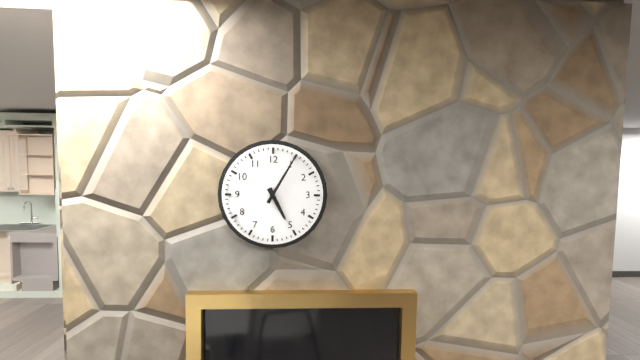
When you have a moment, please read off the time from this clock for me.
5:05
